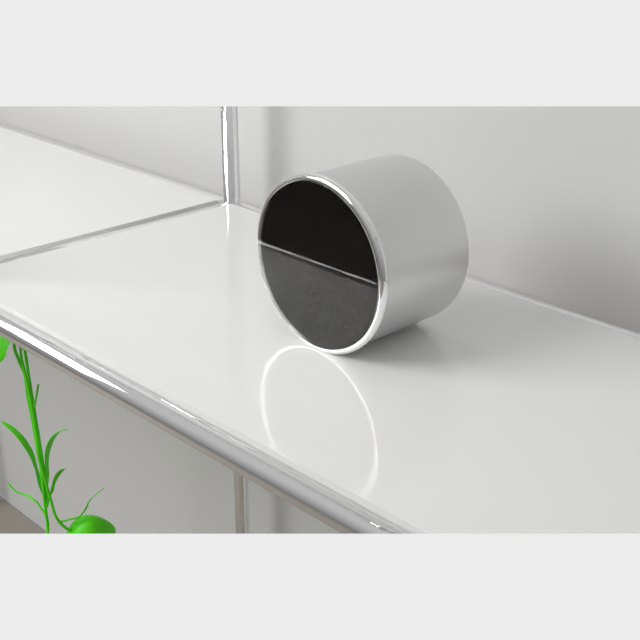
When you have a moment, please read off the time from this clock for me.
9:59:43
